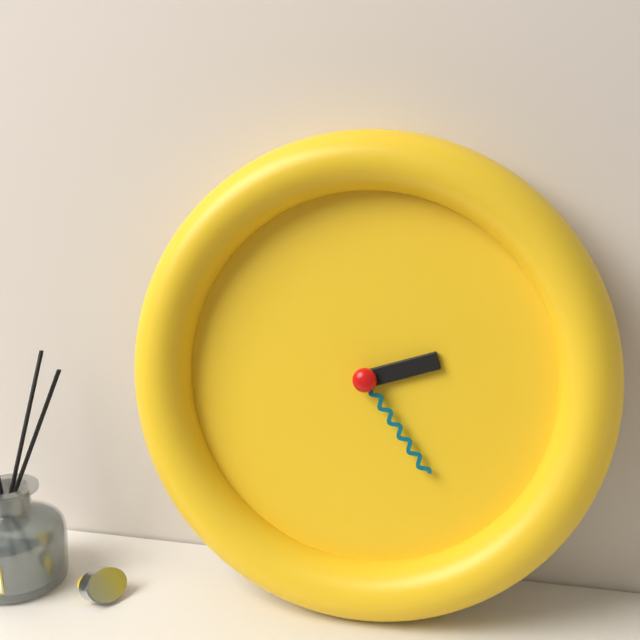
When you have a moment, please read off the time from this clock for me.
2:24
